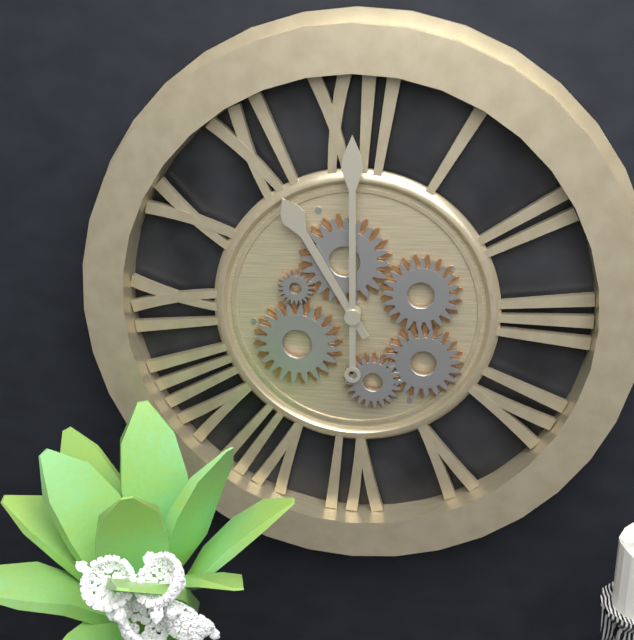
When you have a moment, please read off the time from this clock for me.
11:00
